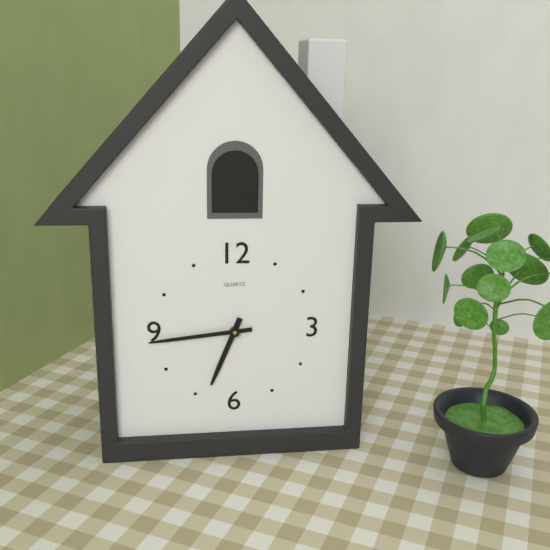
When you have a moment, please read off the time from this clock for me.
6:44
